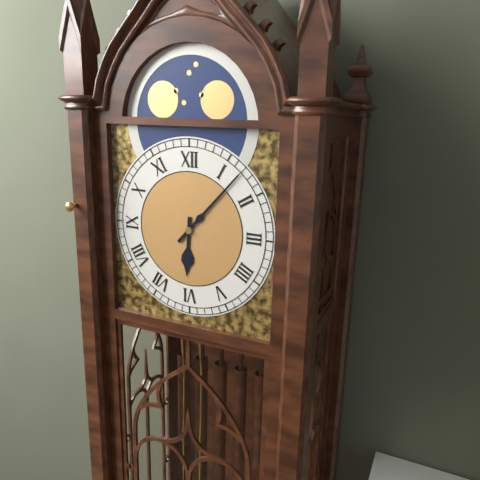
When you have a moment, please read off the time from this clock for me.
6:07
